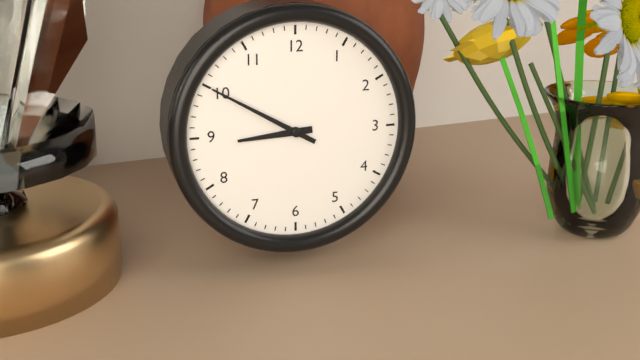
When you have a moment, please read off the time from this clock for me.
8:50
